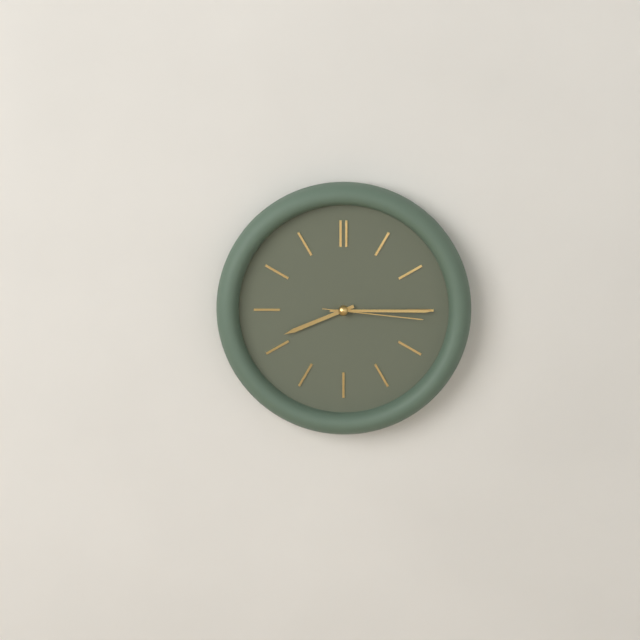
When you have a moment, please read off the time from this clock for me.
8:15:16
